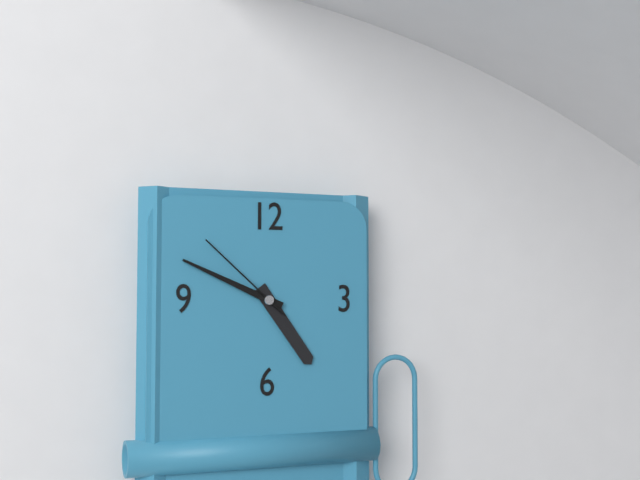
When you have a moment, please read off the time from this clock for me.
4:49:52
